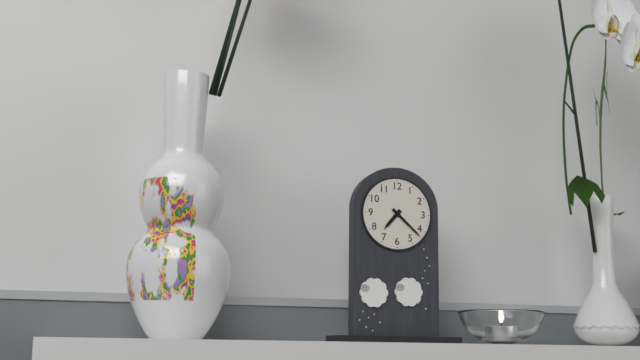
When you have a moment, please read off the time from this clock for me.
7:22
